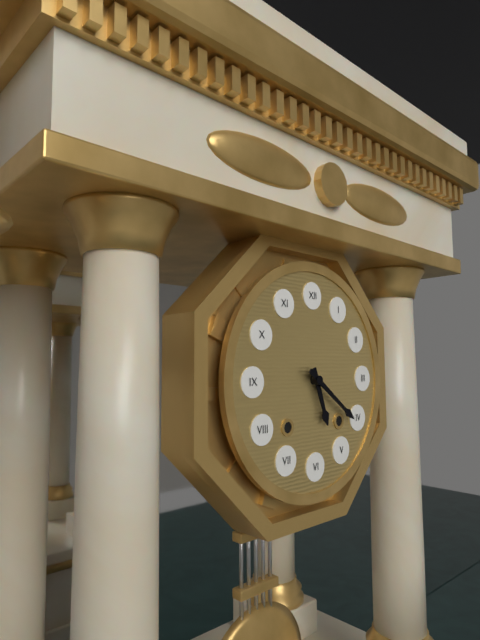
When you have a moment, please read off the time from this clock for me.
5:21
